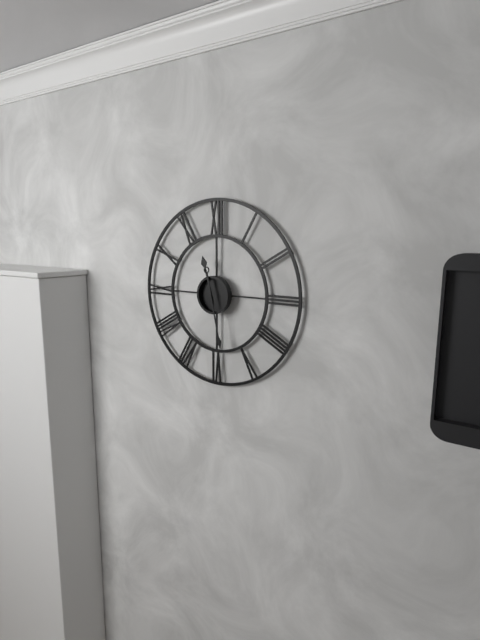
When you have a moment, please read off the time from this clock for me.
11:28
